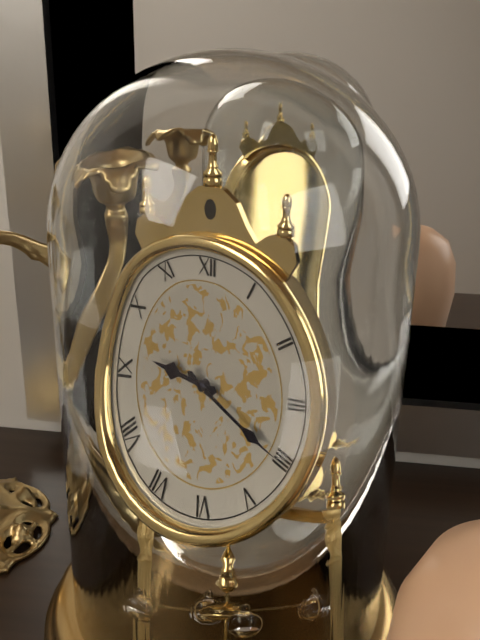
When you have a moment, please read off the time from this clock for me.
9:20
